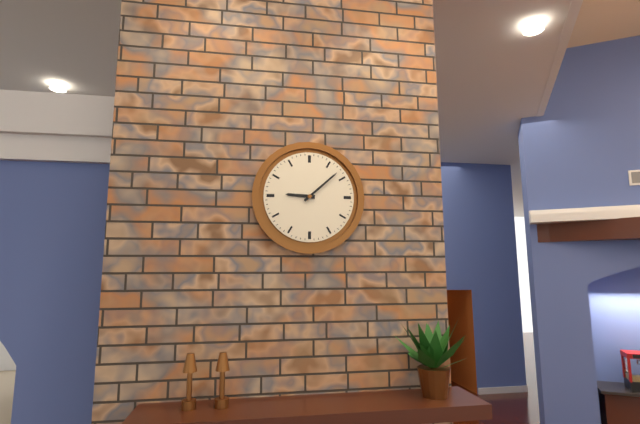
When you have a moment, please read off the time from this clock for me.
9:08
